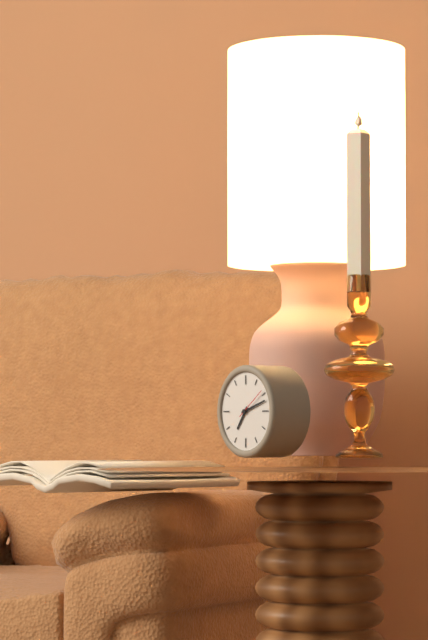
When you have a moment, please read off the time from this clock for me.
7:12
